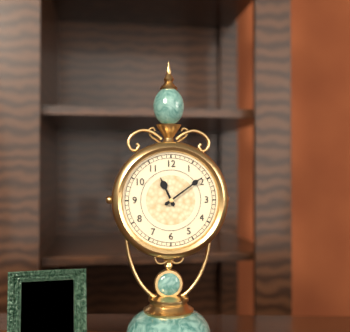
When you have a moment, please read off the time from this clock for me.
11:09
